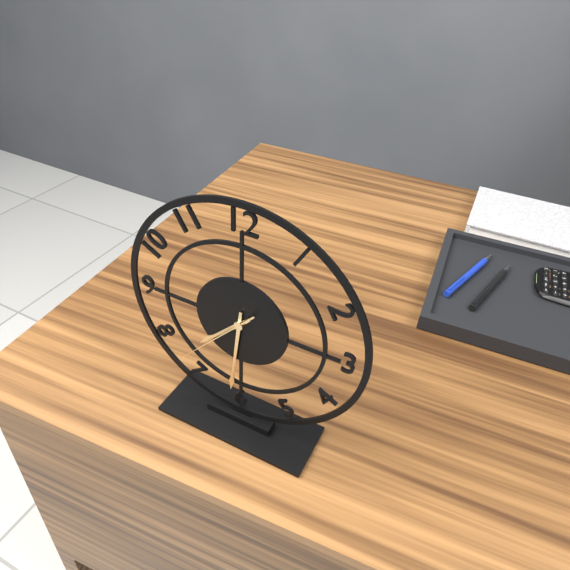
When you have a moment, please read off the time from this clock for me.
7:31:37
